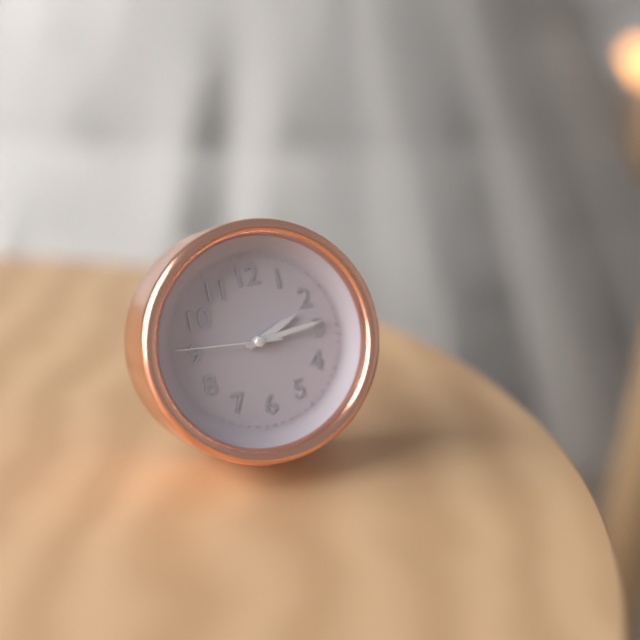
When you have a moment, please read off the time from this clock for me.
2:14:46
